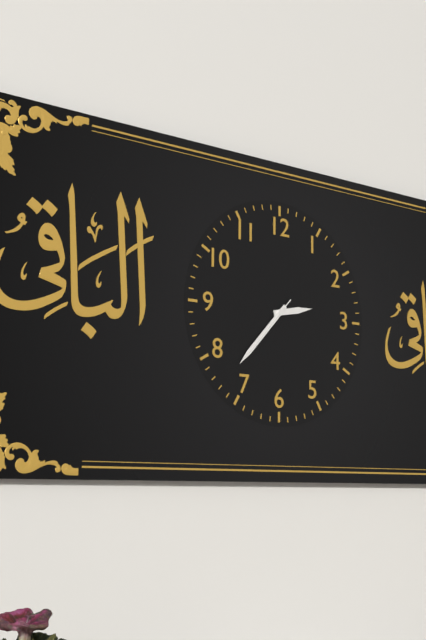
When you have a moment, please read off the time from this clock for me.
2:37:37
